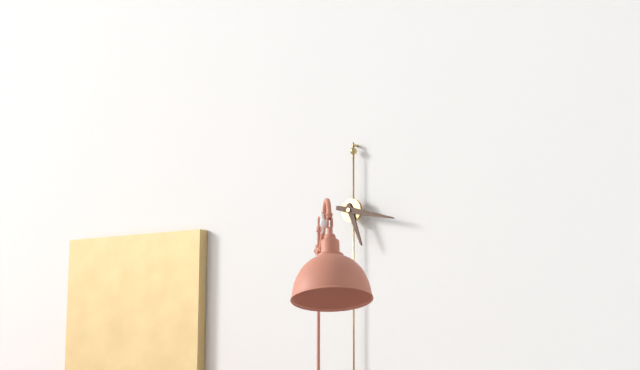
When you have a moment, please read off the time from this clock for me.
5:17
